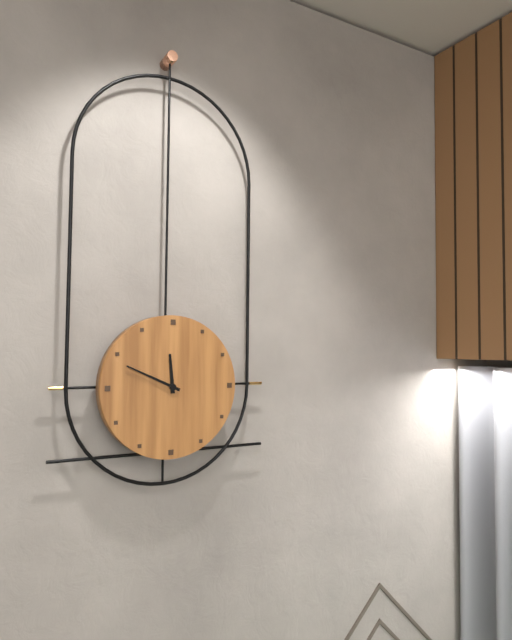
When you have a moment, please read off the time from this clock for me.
11:49
